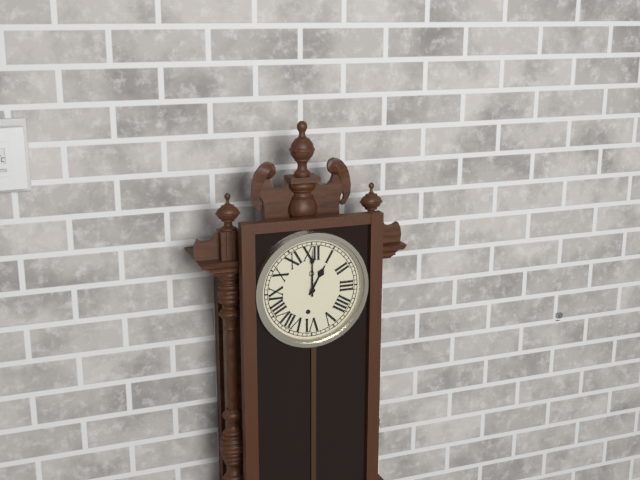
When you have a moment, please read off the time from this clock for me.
1:00
